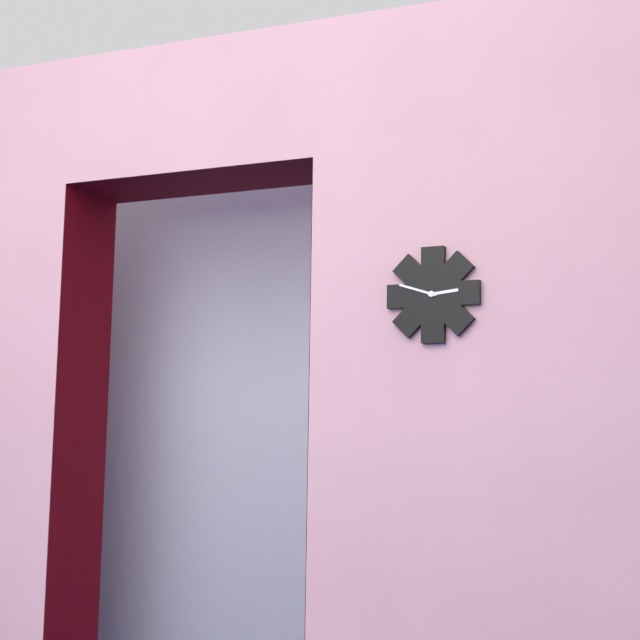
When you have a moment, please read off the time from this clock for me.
2:48
